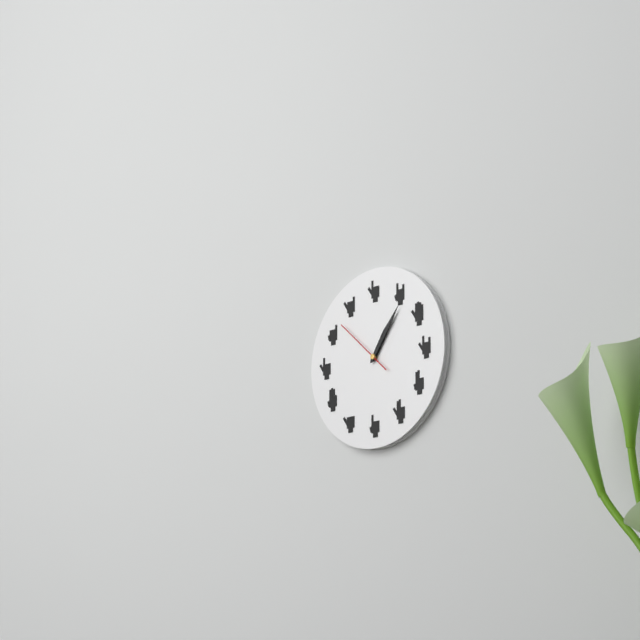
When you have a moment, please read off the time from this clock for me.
1:06:52
